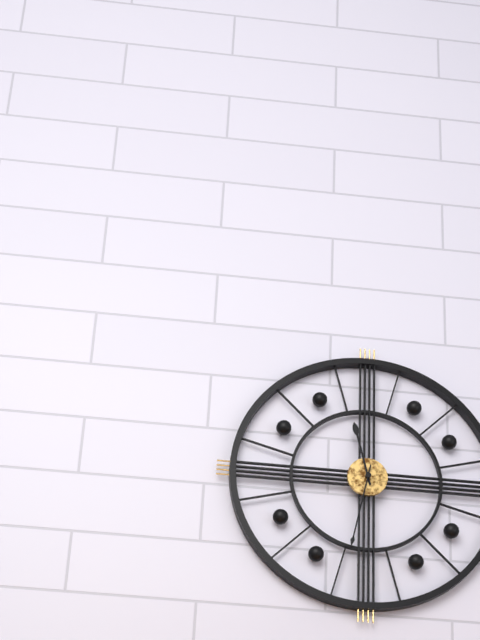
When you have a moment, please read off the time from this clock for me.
11:32
